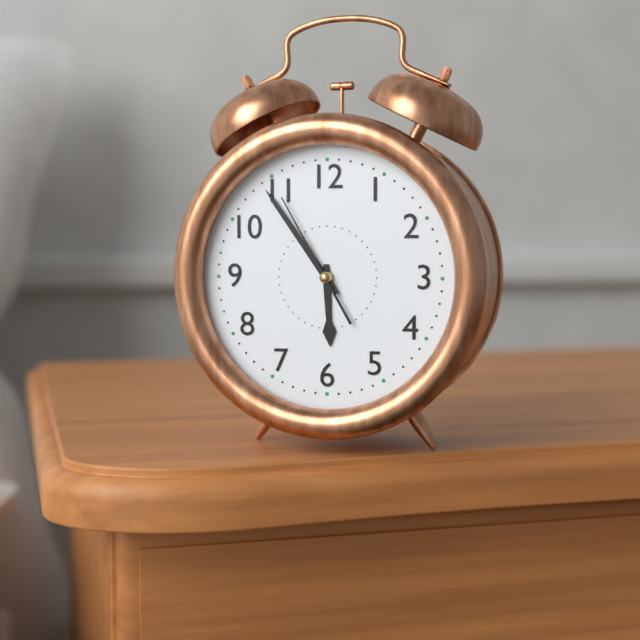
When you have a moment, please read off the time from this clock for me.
5:54:55
